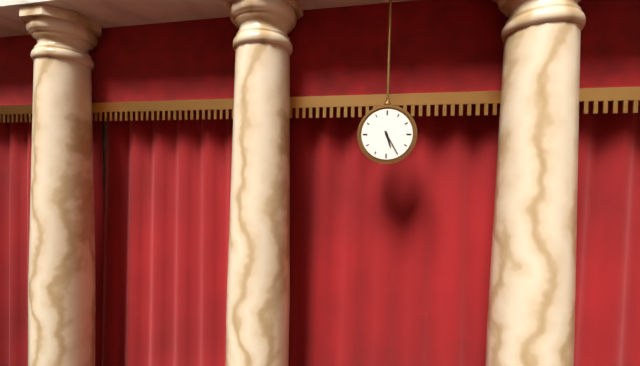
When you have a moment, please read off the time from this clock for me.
5:25
